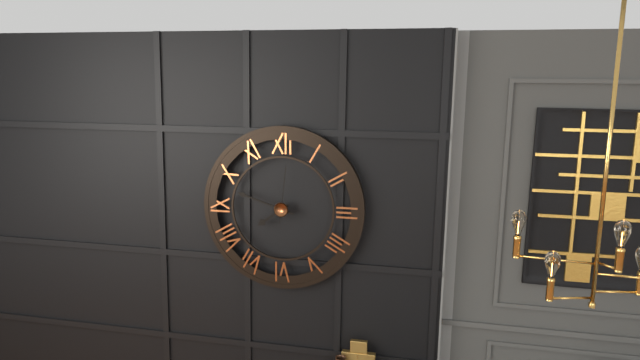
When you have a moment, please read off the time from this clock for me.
7:48:01
